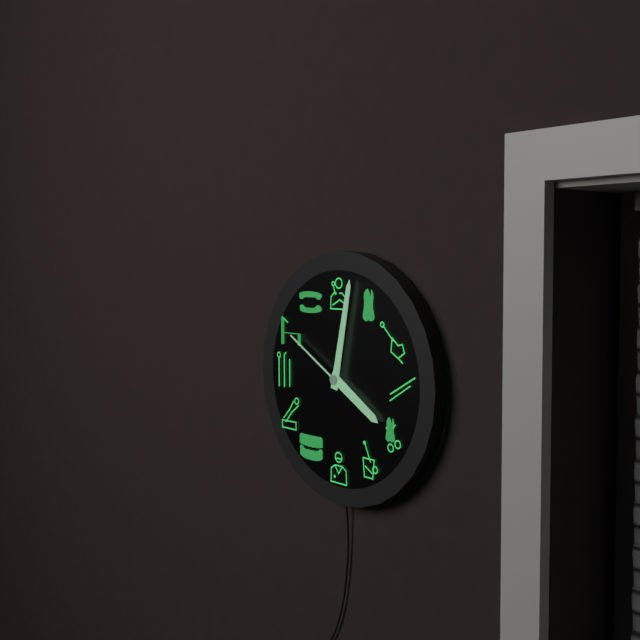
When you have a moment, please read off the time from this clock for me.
4:02:50
